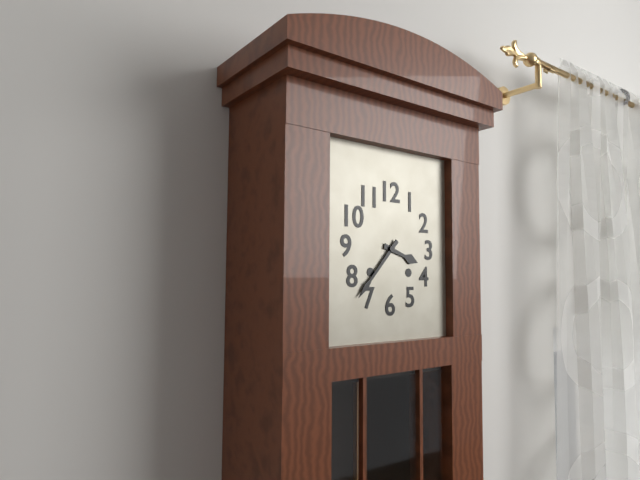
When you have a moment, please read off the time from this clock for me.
3:37
